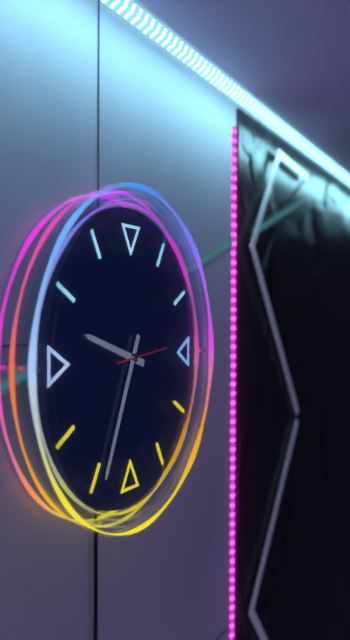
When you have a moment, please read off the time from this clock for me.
9:34
